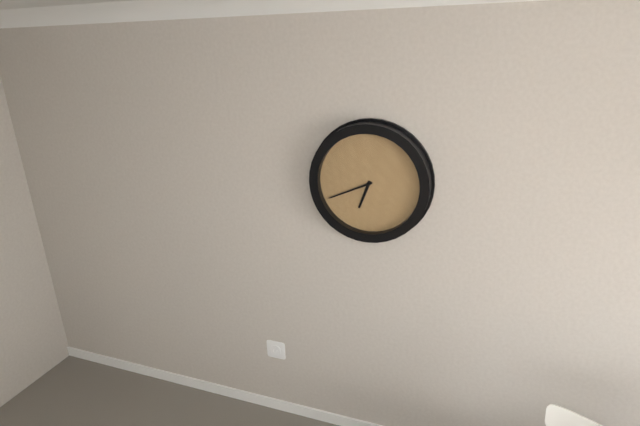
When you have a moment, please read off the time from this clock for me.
6:41
